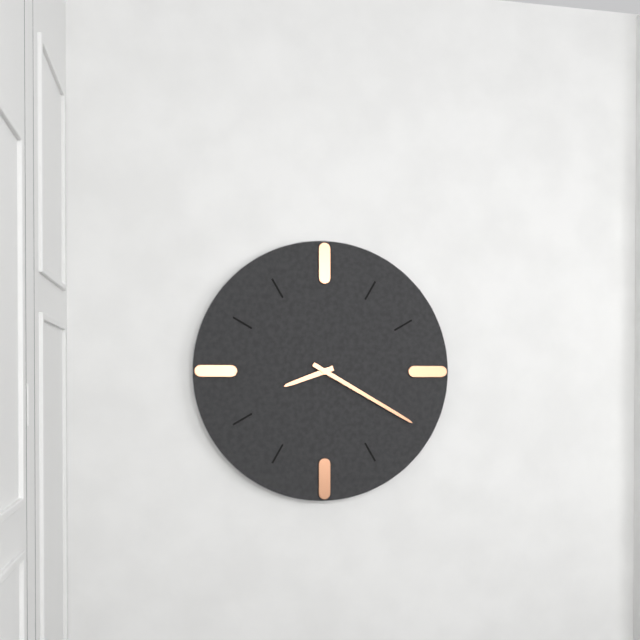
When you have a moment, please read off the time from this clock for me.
8:20
